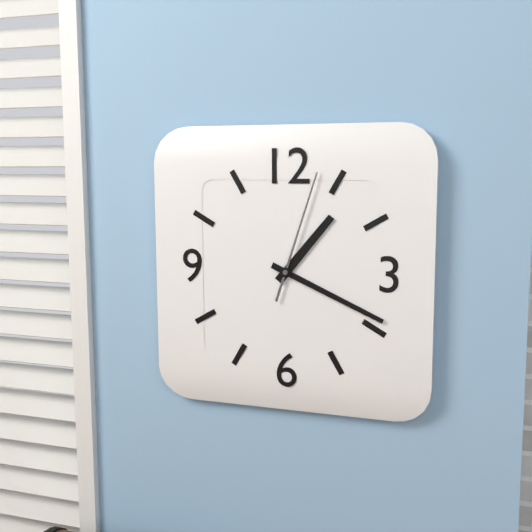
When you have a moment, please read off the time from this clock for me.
1:19:03
